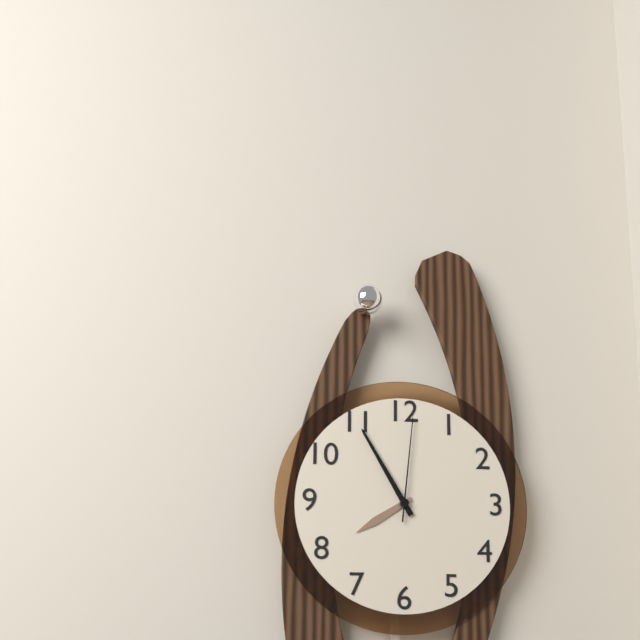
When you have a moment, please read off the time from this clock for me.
7:55:01
